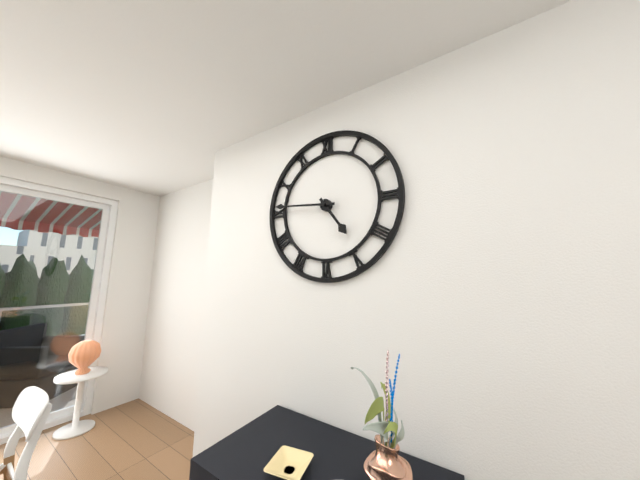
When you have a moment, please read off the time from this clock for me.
4:46
